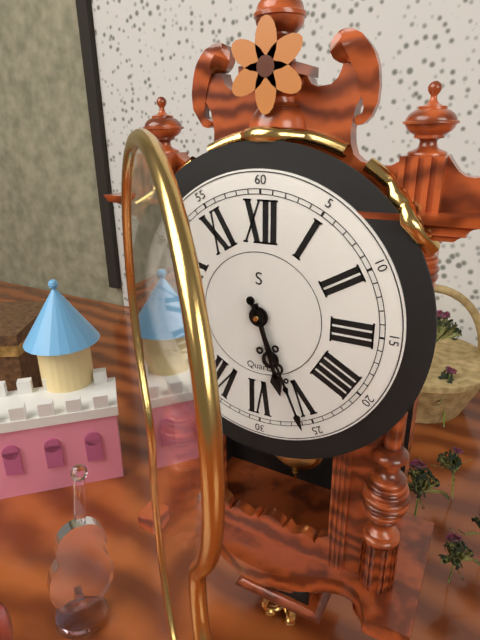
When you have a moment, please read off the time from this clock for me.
5:26
